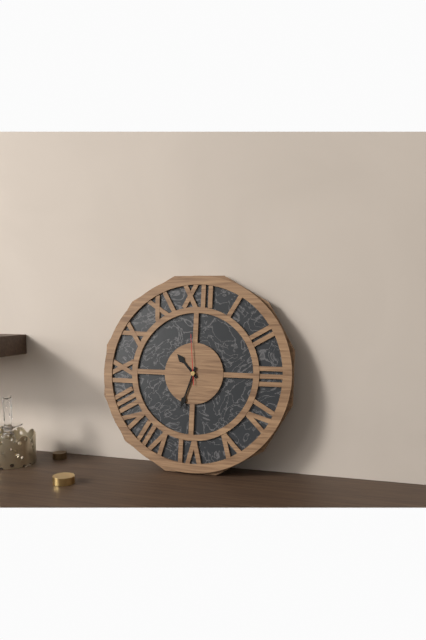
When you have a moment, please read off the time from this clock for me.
10:33
